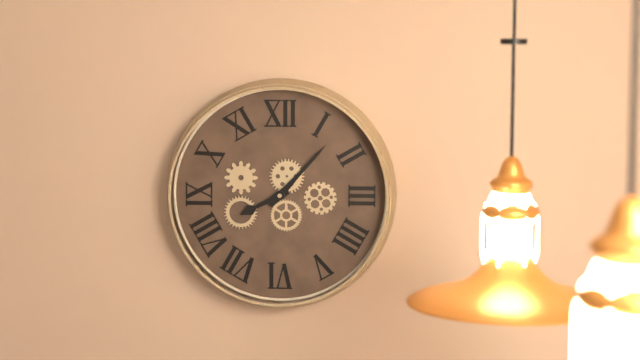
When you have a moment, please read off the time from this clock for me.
8:07
